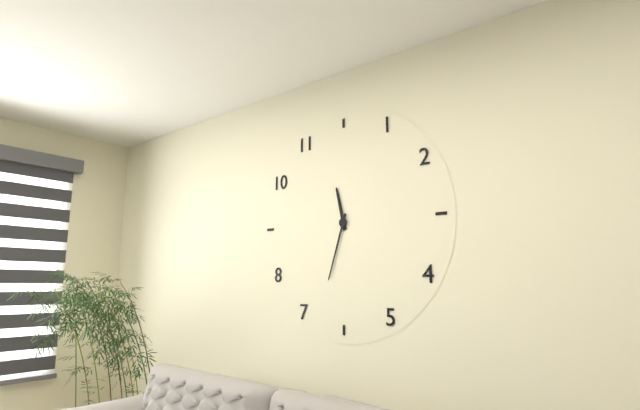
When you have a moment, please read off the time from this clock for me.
11:33
